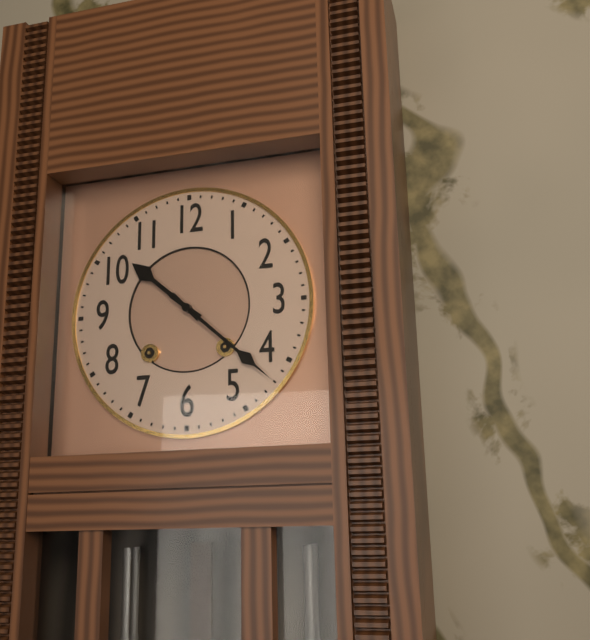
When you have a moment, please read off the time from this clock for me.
10:22
